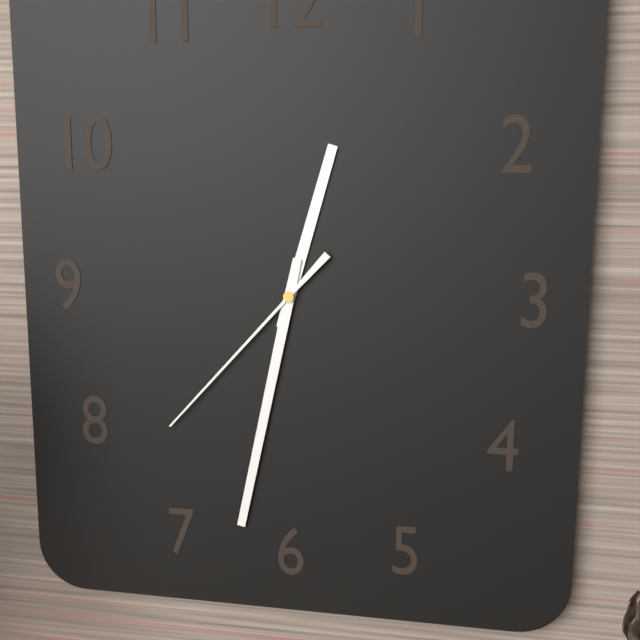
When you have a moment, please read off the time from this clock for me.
12:32:37
